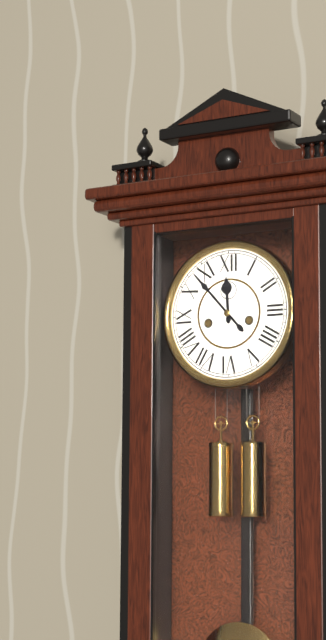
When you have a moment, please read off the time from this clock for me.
11:53
